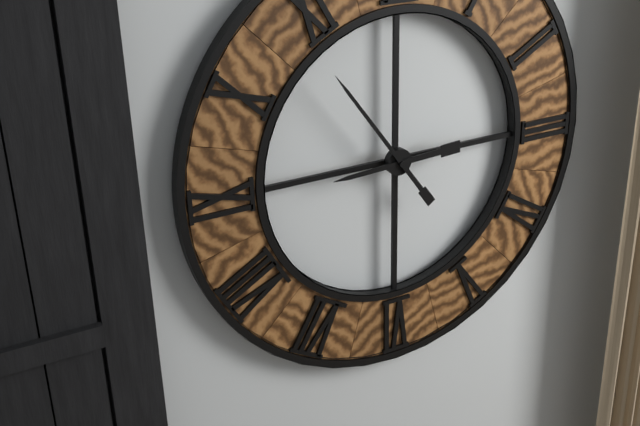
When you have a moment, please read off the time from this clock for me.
8:54
